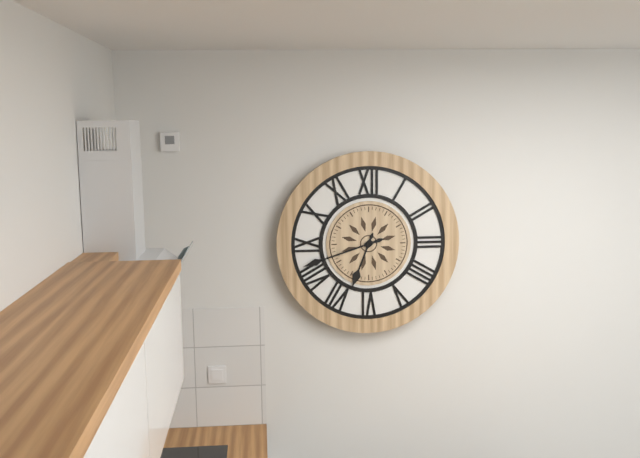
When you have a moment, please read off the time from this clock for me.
6:42
